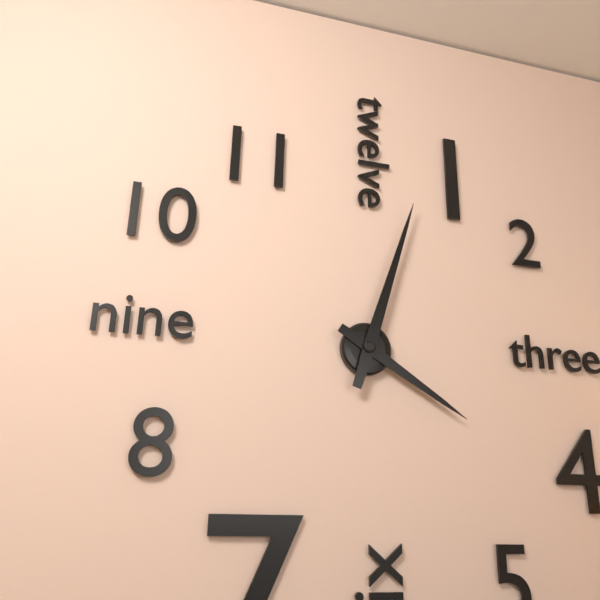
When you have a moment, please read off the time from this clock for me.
4:03
